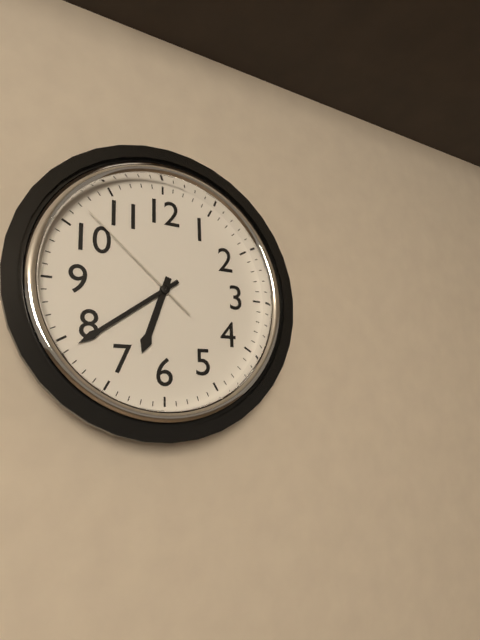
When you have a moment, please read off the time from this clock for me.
6:39:52
